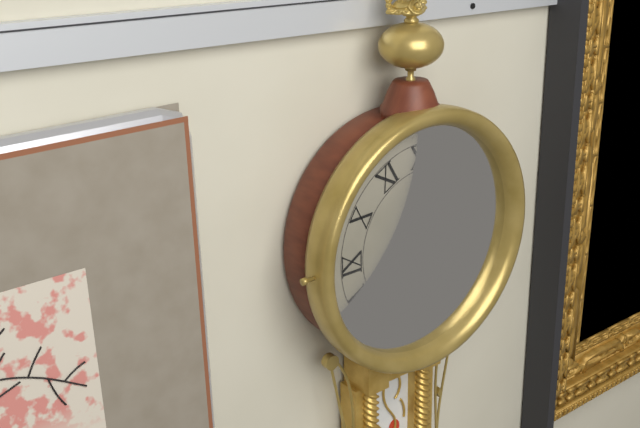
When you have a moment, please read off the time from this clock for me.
6:05
